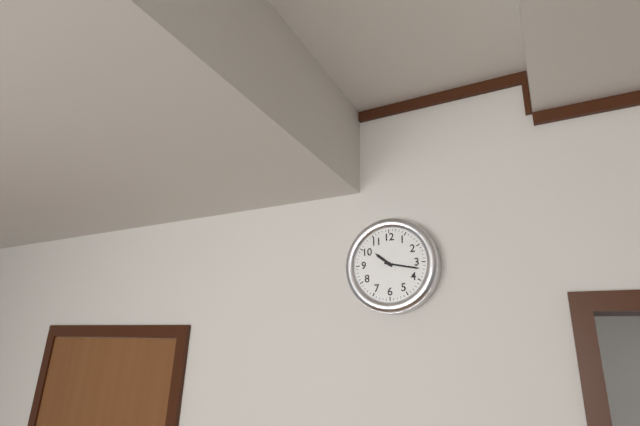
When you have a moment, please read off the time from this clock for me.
10:17
